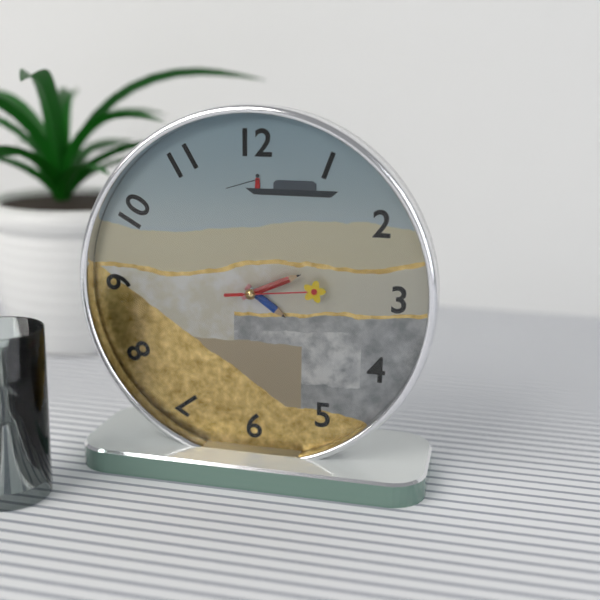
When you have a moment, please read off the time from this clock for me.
4:11:14
